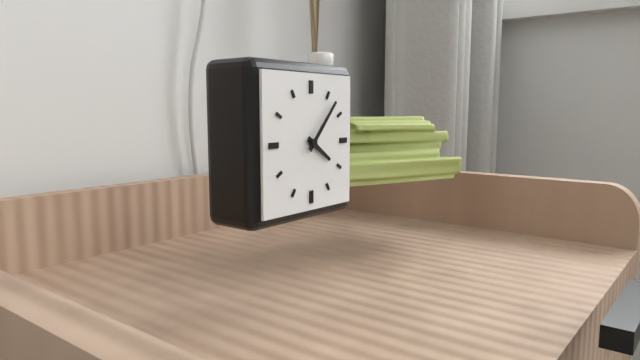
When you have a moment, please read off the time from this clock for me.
4:07
